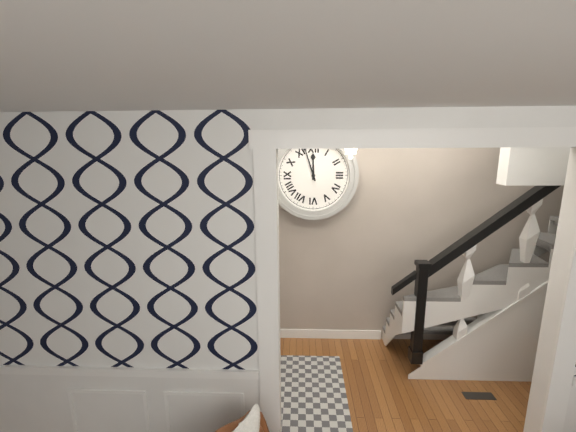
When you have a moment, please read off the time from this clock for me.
11:57
